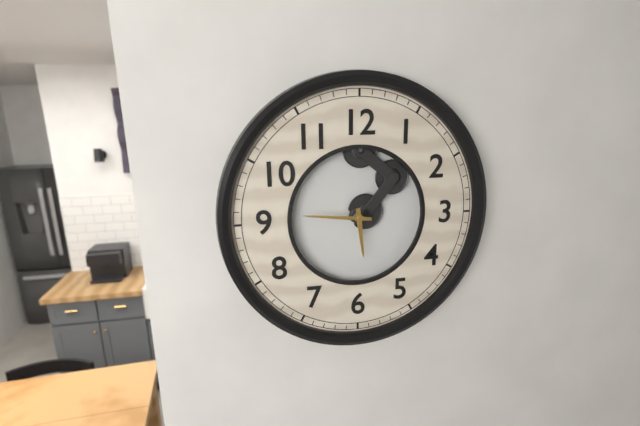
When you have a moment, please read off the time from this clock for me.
5:46
